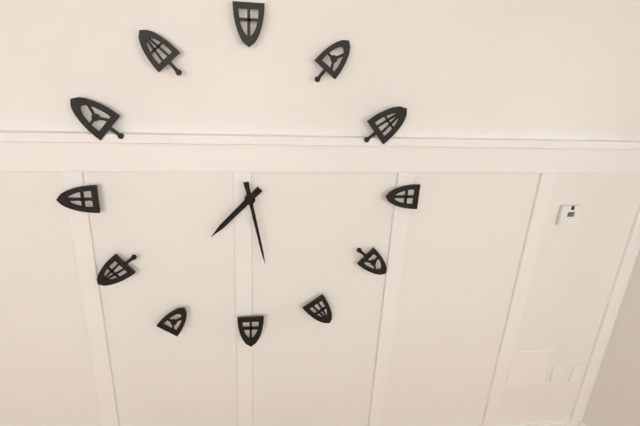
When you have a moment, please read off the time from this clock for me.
7:28
